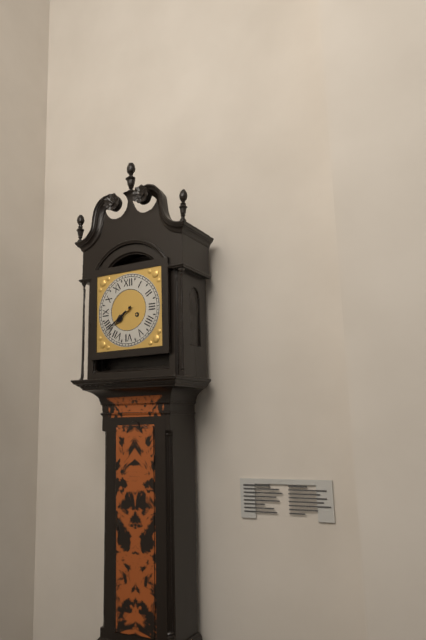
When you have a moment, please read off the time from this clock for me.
7:39
